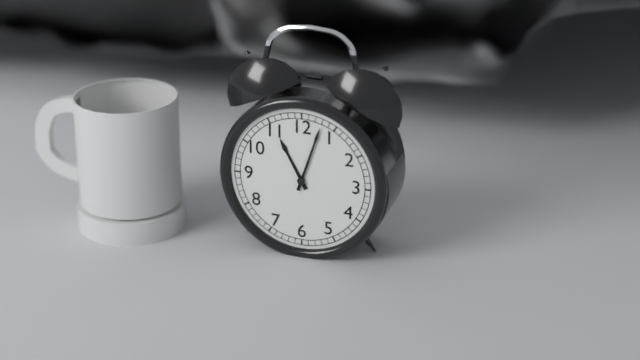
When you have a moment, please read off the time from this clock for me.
11:03
